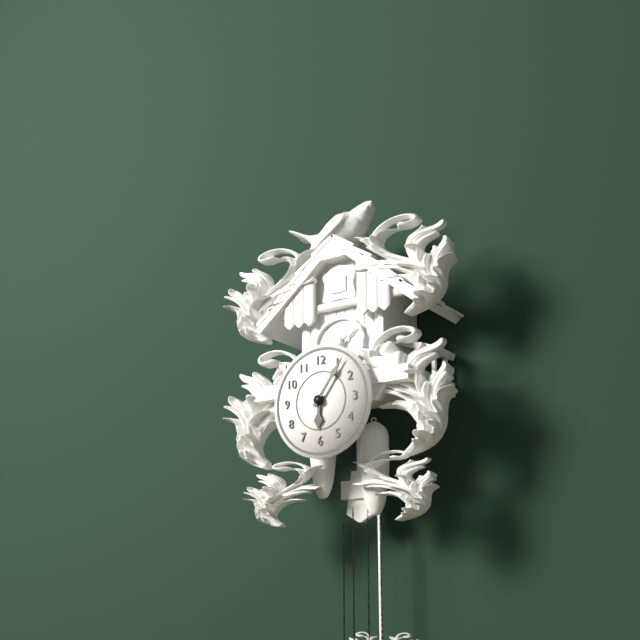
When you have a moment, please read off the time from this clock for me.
6:06
